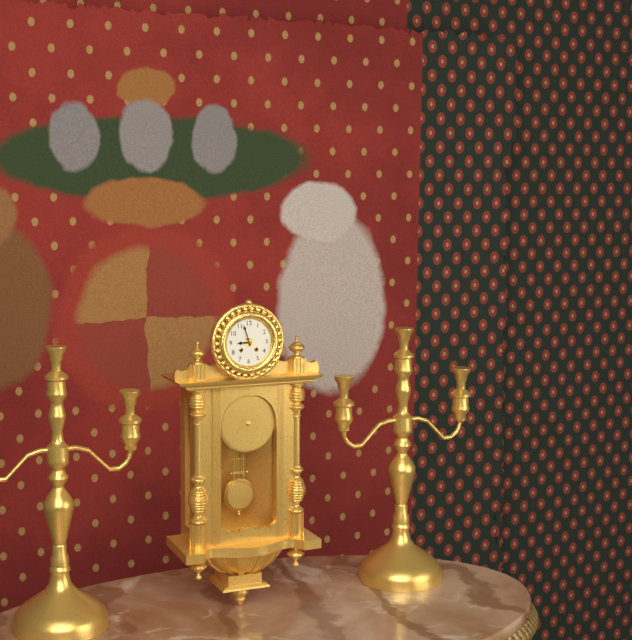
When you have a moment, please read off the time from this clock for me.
8:57
